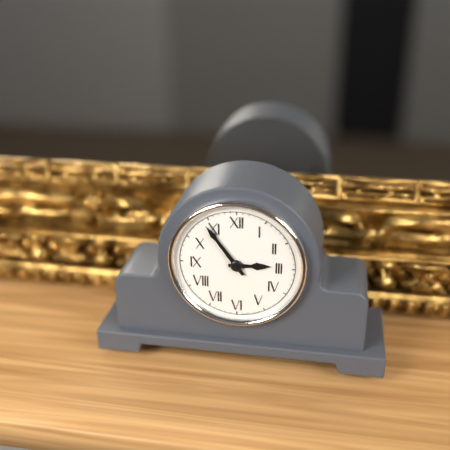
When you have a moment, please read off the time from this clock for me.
2:54
